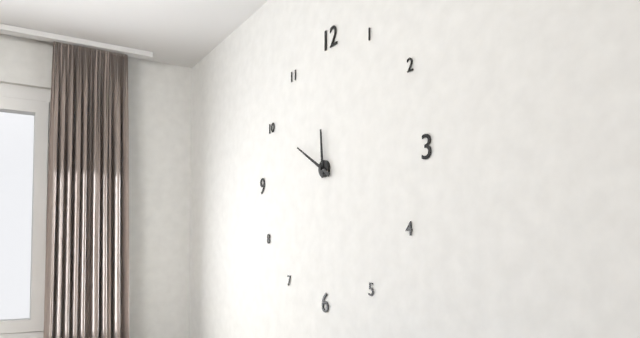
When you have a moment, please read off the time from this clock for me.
11:50
